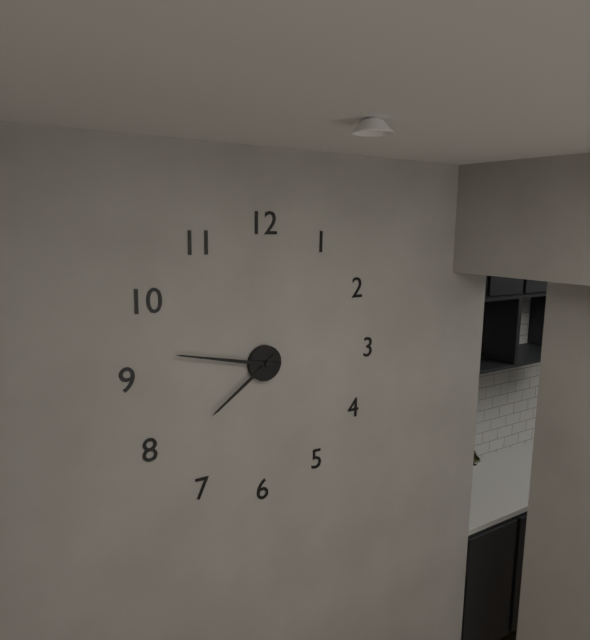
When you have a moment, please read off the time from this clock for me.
7:47
